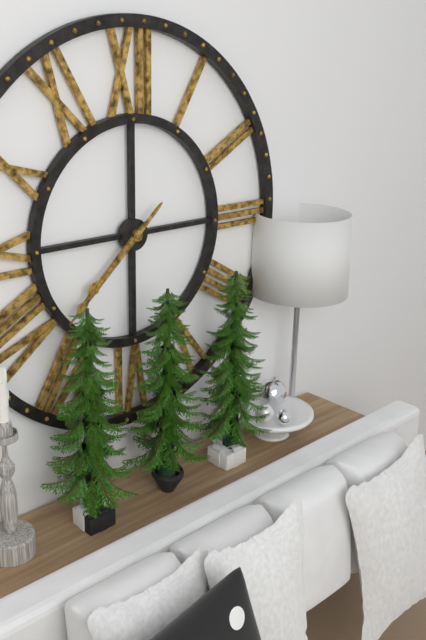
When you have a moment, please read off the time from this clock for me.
7:38
